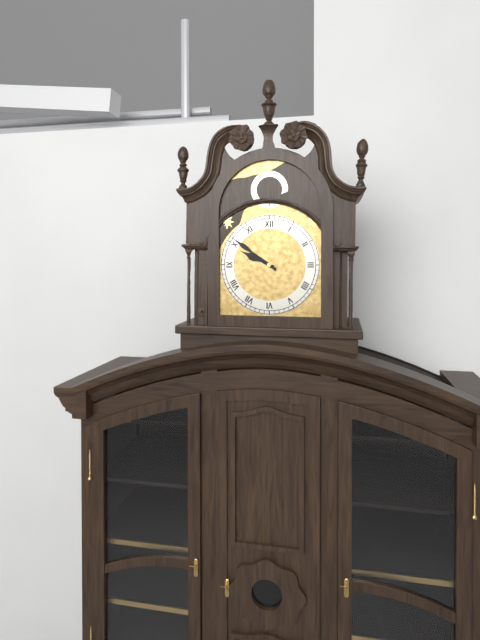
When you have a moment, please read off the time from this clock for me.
9:51
